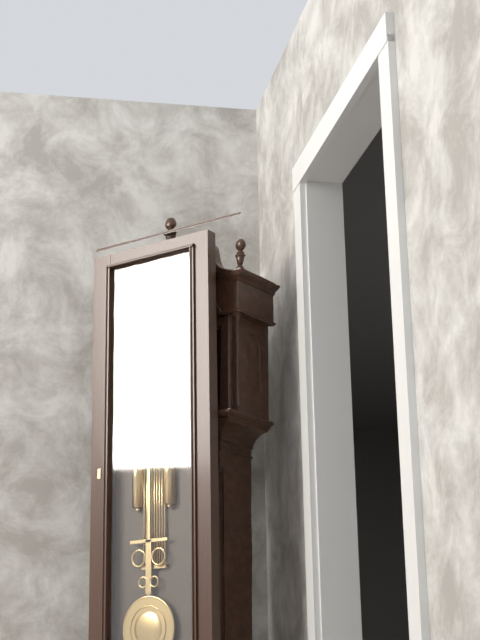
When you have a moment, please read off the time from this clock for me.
4:28
